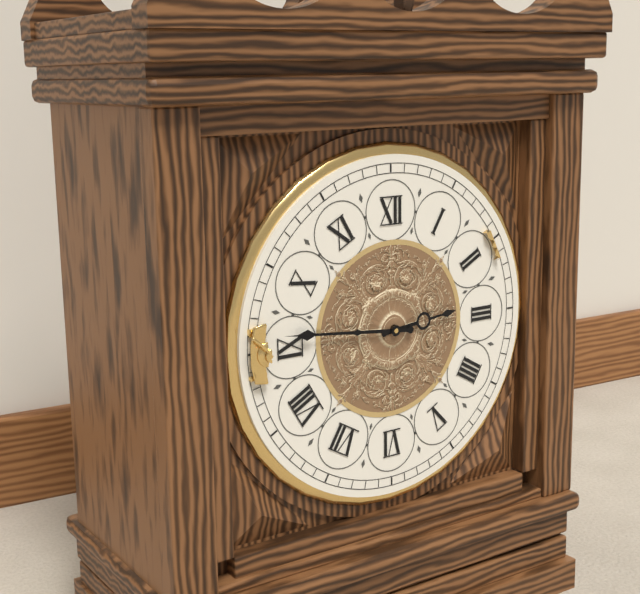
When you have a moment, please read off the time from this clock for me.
2:46
